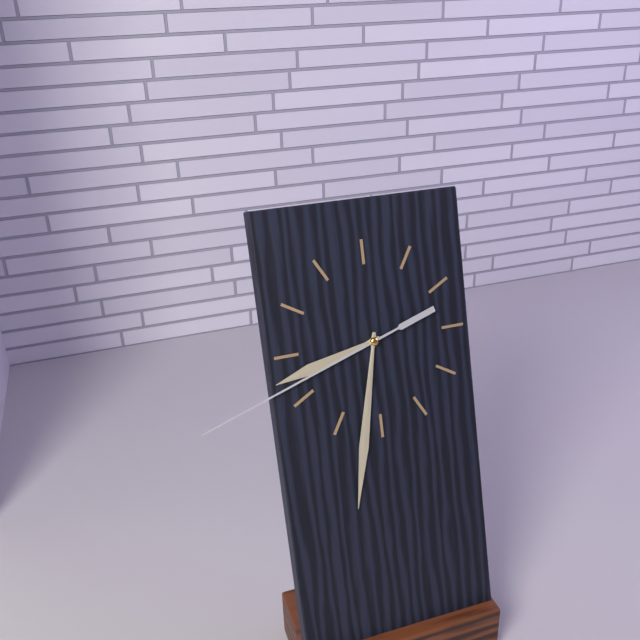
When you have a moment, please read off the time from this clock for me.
8:32:42
